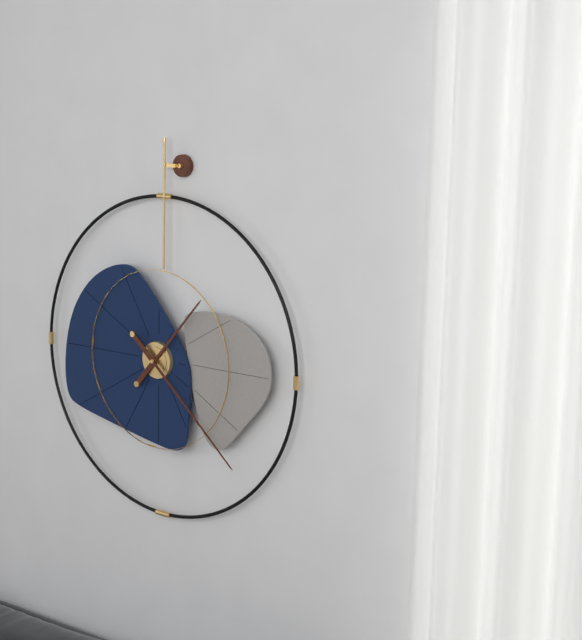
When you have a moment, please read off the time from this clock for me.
1:22
